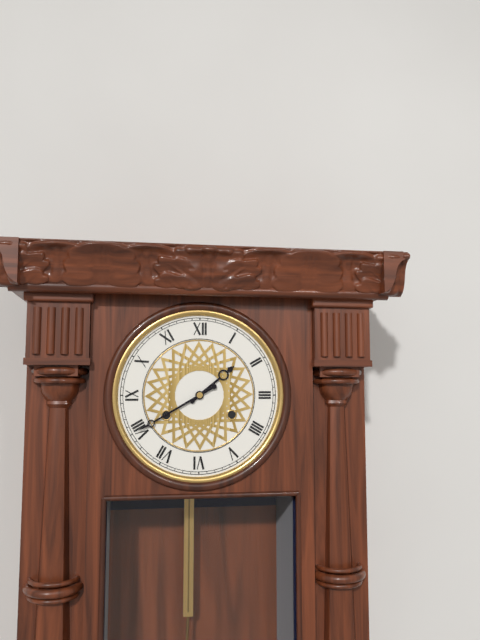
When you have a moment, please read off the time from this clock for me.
1:40
